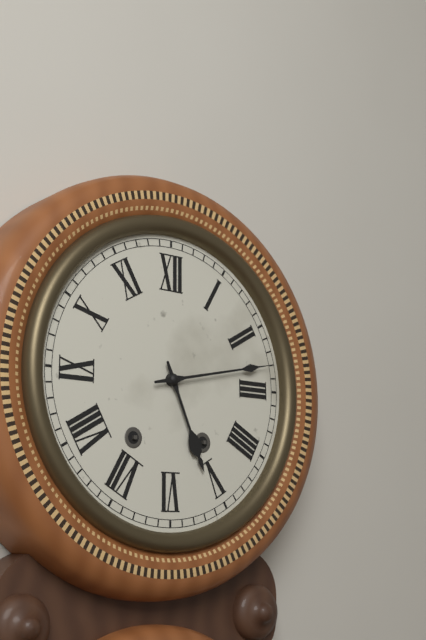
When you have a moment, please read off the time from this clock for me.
5:13
